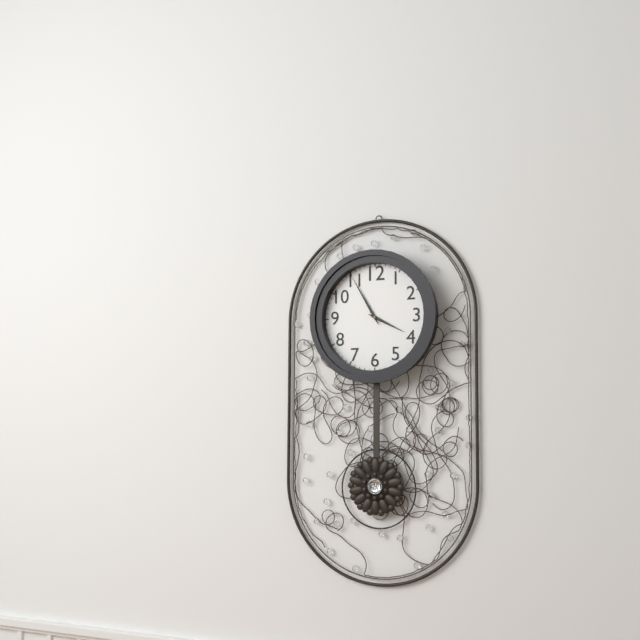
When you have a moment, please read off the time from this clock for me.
3:55
